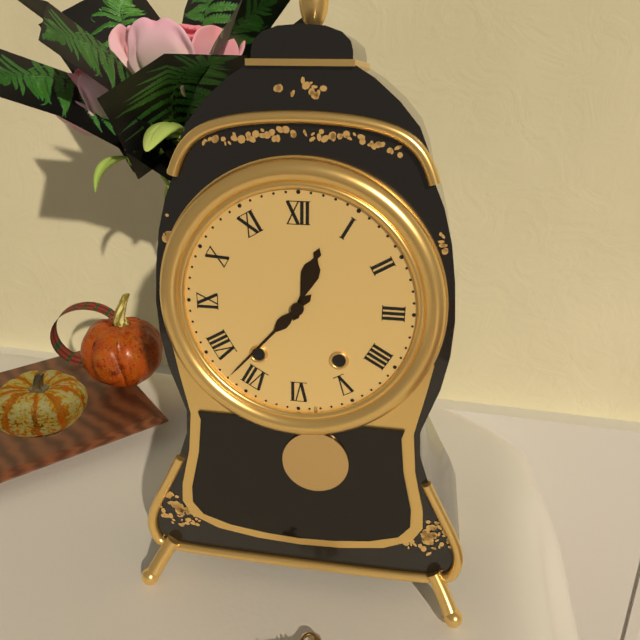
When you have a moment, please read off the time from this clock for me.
12:37
